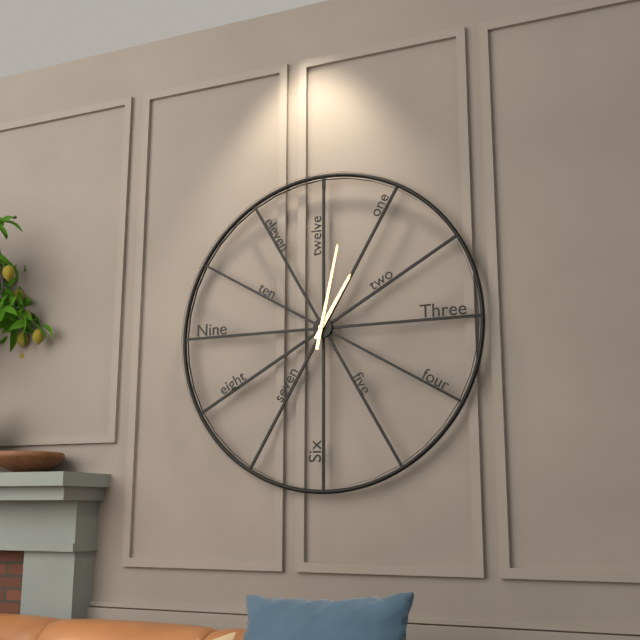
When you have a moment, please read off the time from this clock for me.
1:02
